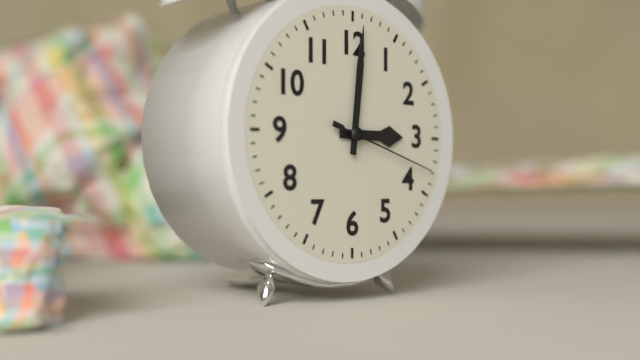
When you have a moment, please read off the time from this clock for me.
3:01:18
